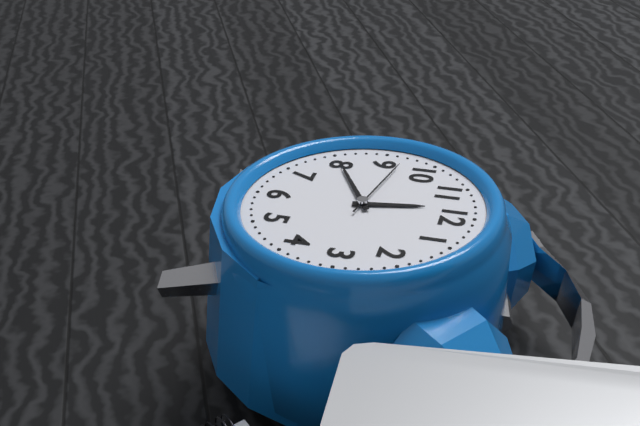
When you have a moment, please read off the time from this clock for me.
11:40:47
